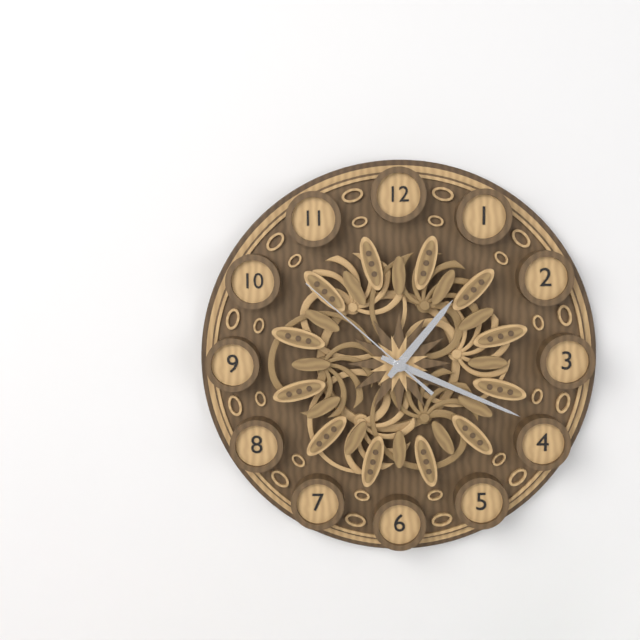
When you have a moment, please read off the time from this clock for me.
1:19:52
